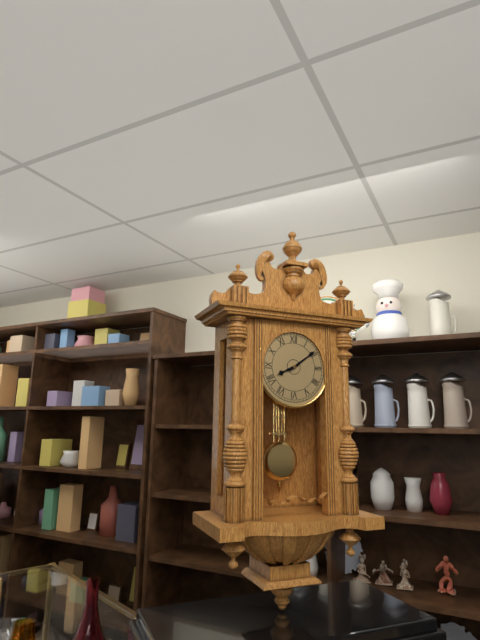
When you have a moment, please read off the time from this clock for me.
8:09
